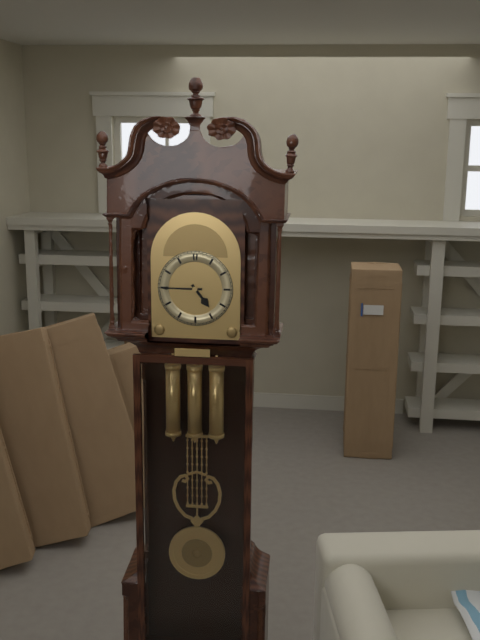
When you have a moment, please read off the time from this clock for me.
4:45
